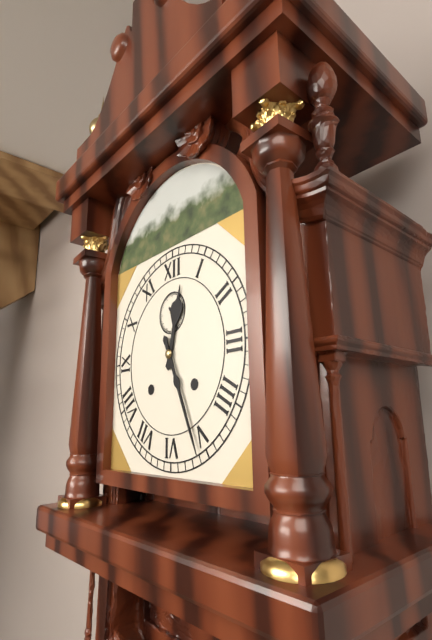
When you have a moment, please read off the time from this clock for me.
12:26
